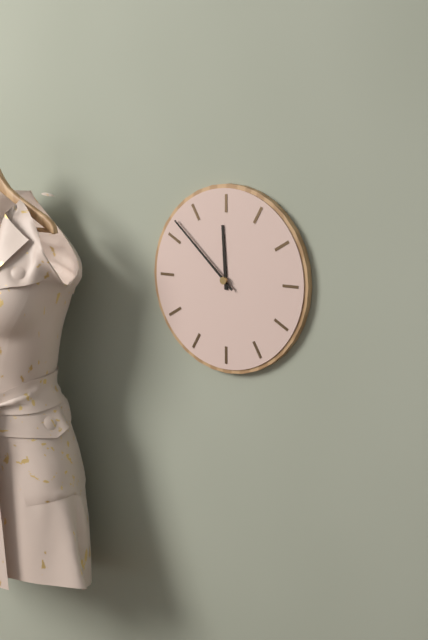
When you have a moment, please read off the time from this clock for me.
11:52
